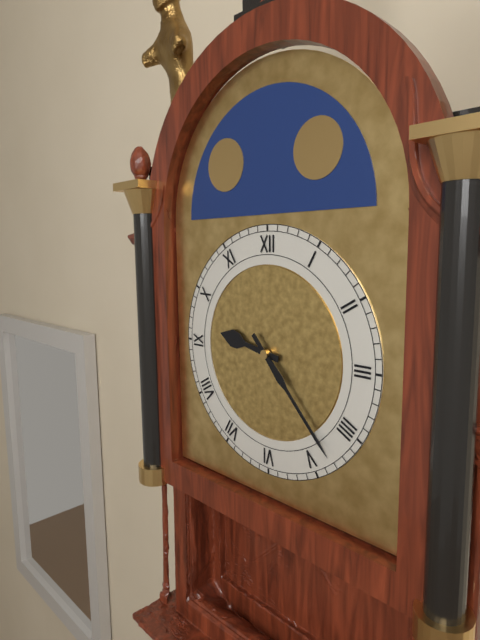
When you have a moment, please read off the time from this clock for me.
9:23
